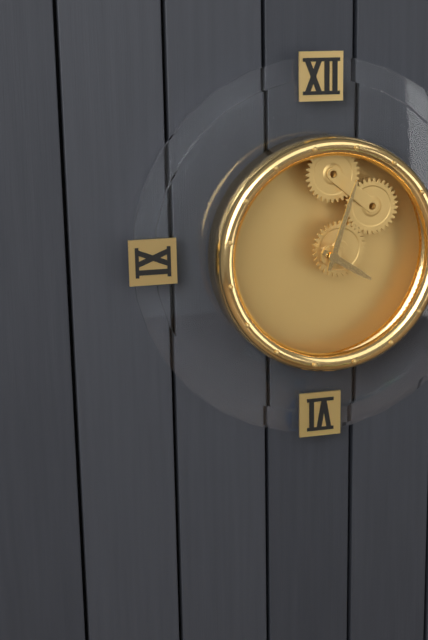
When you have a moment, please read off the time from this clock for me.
4:03
